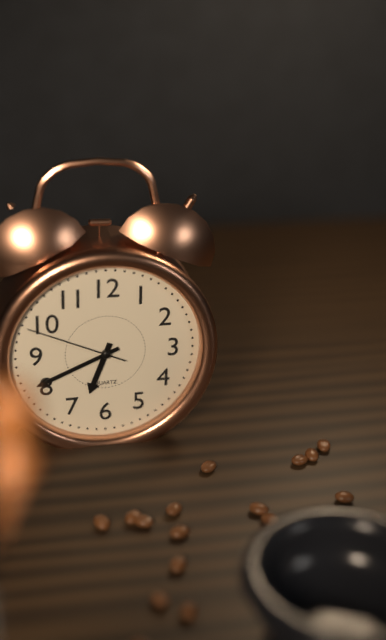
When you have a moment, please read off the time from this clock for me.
6:41:49
